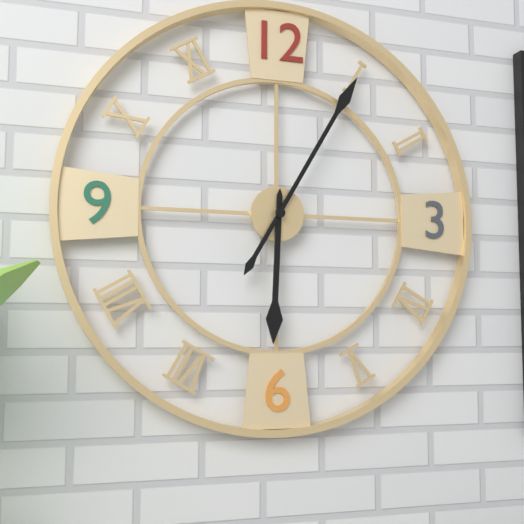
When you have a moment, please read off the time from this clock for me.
6:05
